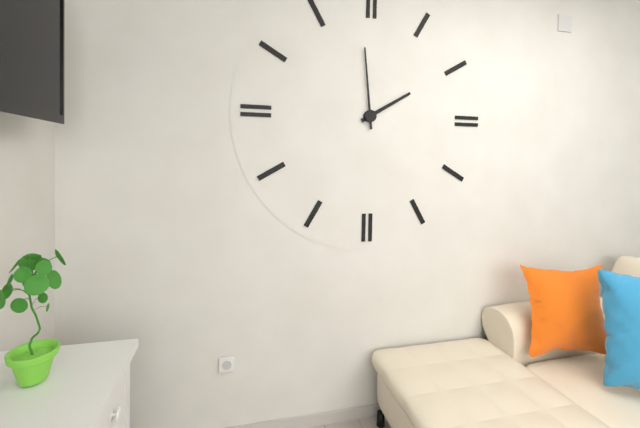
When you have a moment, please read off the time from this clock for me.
1:59
